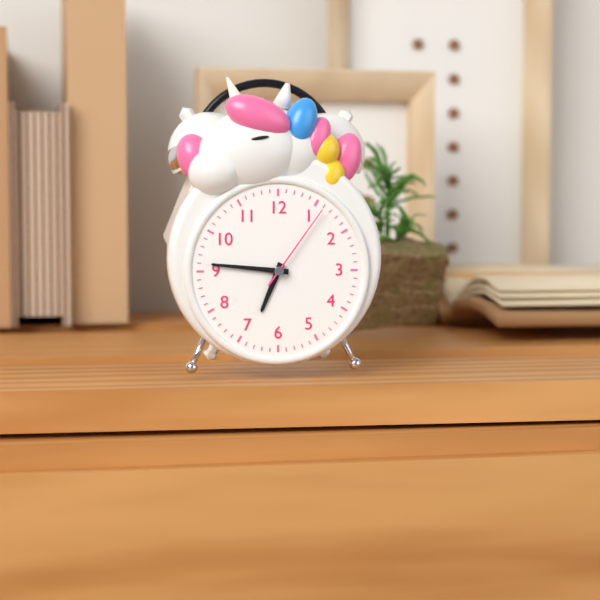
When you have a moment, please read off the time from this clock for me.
6:46:06
